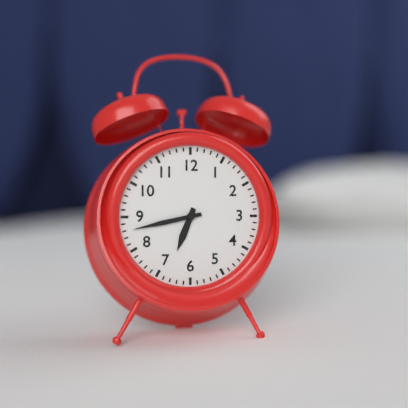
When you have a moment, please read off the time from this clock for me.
6:43
